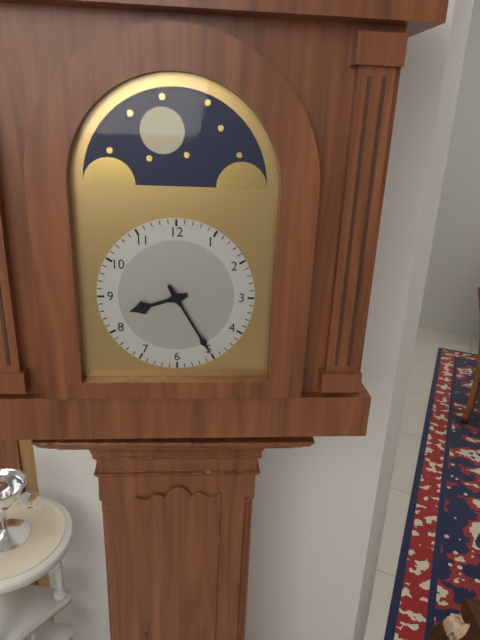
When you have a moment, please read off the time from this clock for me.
8:25
